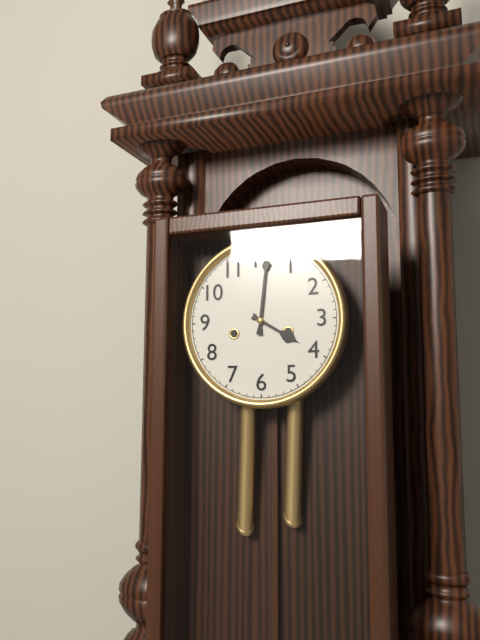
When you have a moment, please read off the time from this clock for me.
4:01
